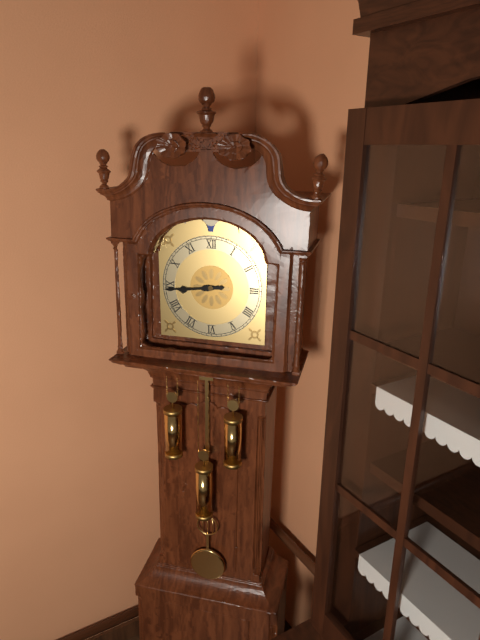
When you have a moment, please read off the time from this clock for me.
8:44
